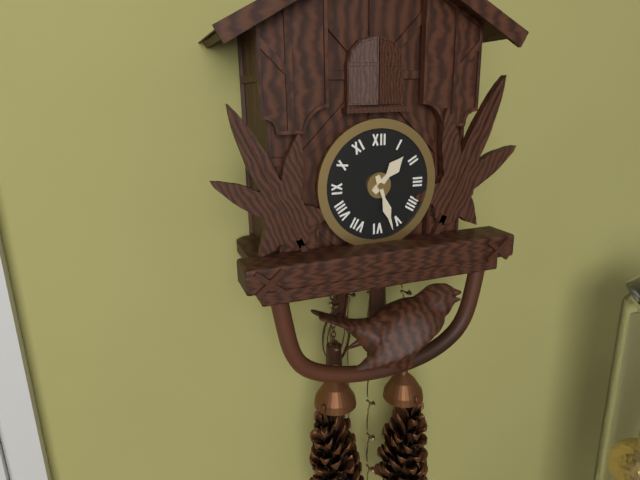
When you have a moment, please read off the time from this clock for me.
1:27
